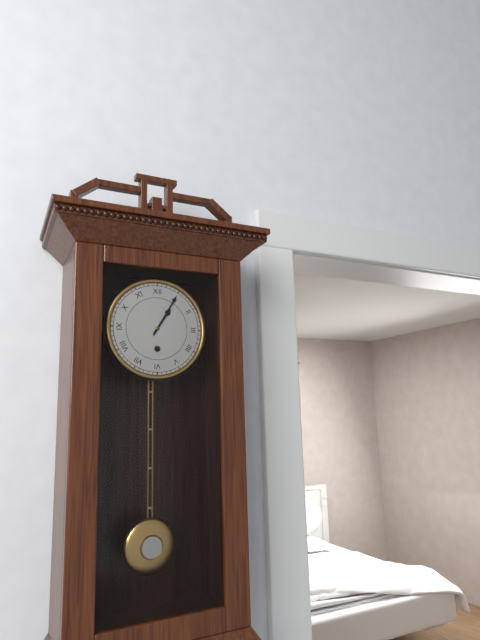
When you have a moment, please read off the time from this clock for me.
1:05
